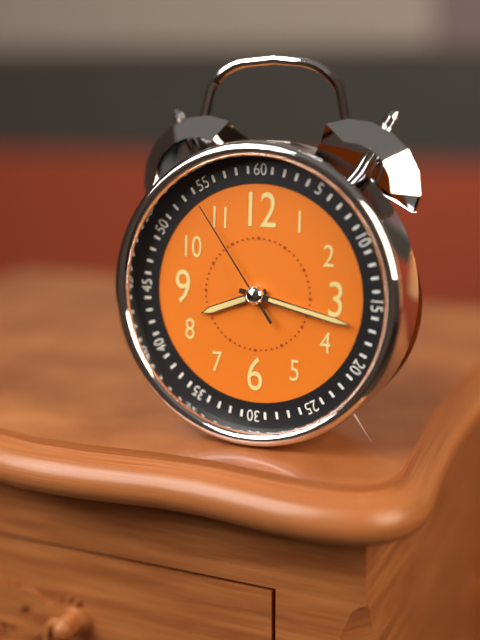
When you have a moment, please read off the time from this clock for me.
8:17:54
